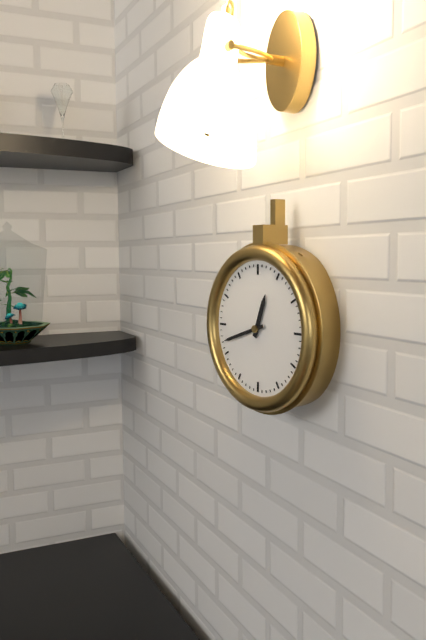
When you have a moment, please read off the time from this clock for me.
12:42
